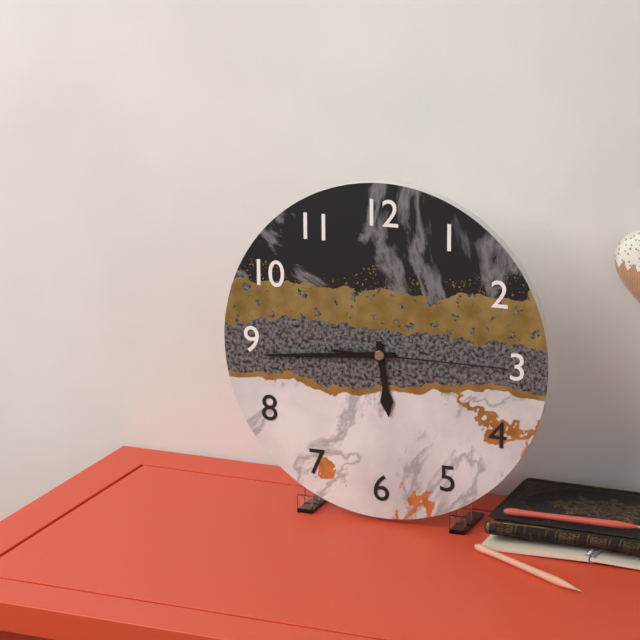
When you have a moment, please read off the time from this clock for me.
5:44:15
